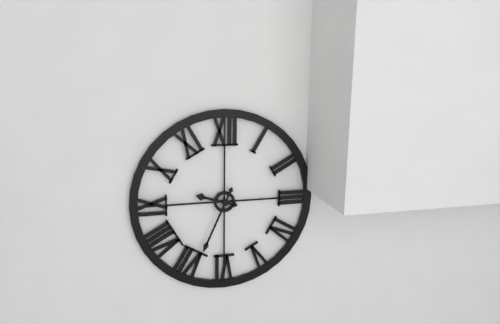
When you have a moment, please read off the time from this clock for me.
9:34
